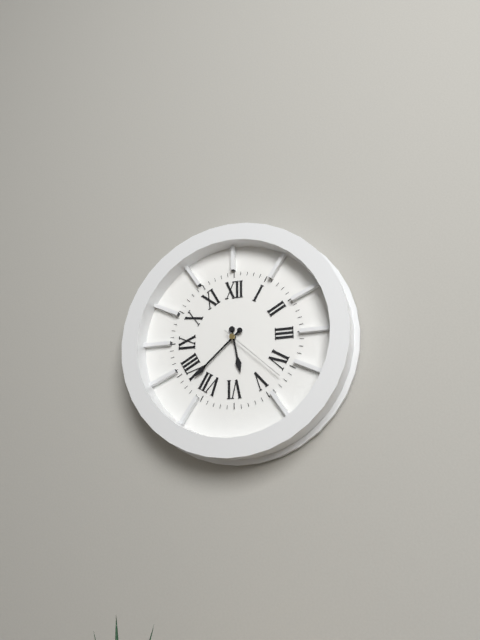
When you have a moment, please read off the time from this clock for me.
5:38:22
